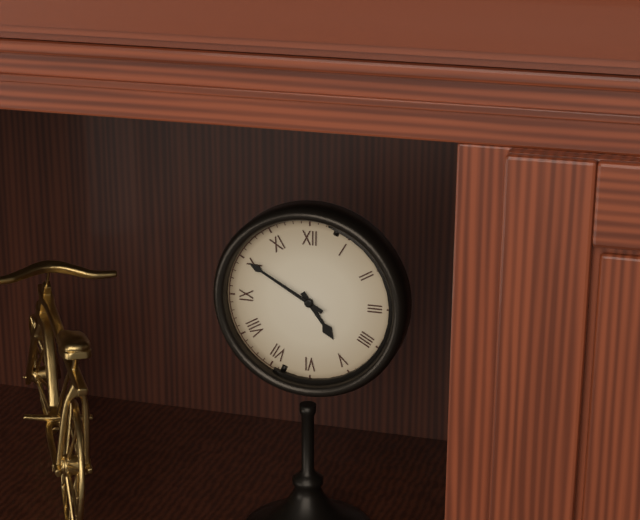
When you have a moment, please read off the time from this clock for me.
4:50
